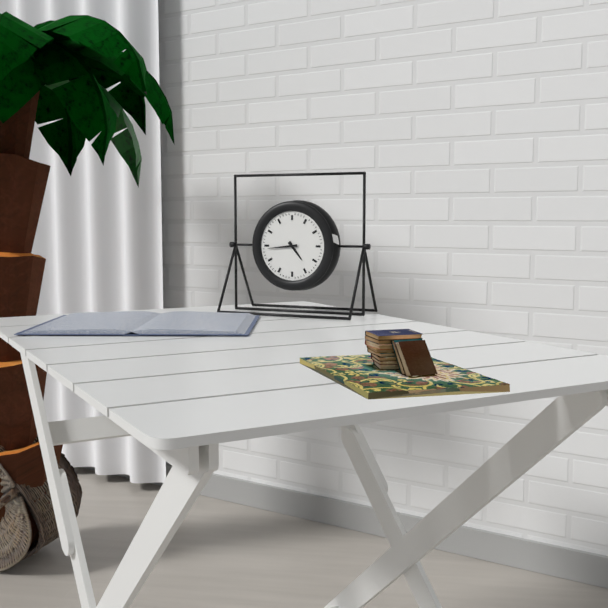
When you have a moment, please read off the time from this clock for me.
4:44
